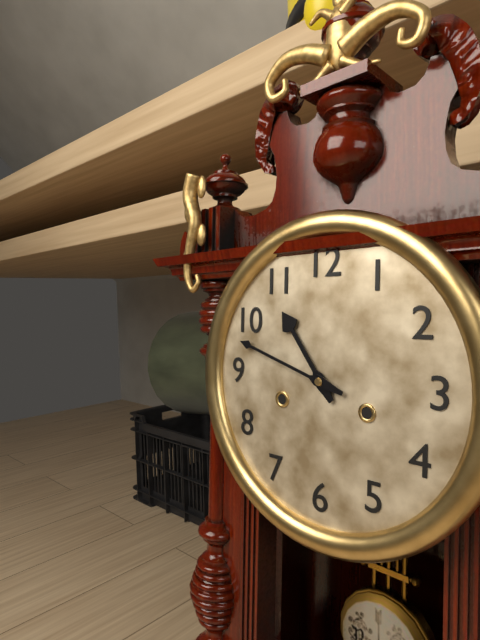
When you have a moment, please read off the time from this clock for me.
10:48
